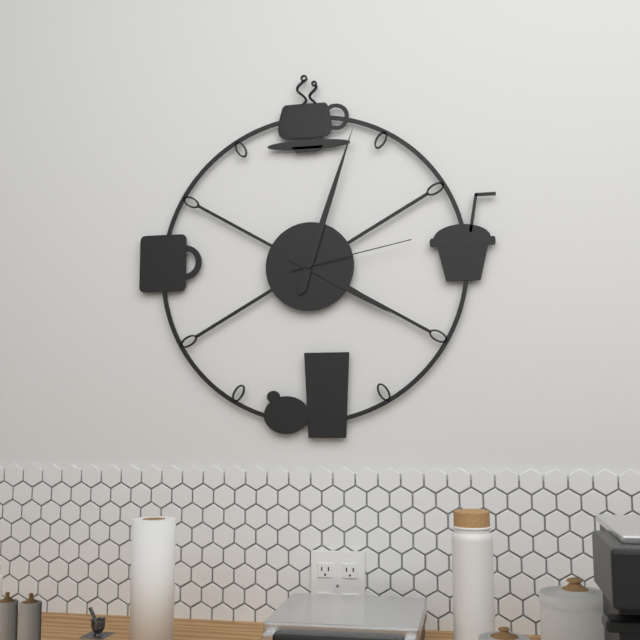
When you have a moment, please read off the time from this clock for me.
4:03:13
